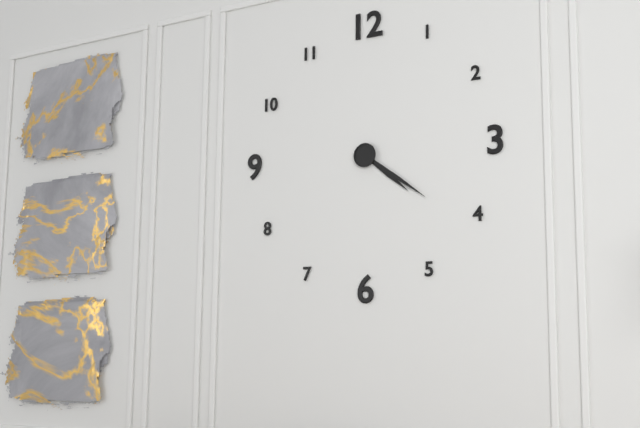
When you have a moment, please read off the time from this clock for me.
4:21
